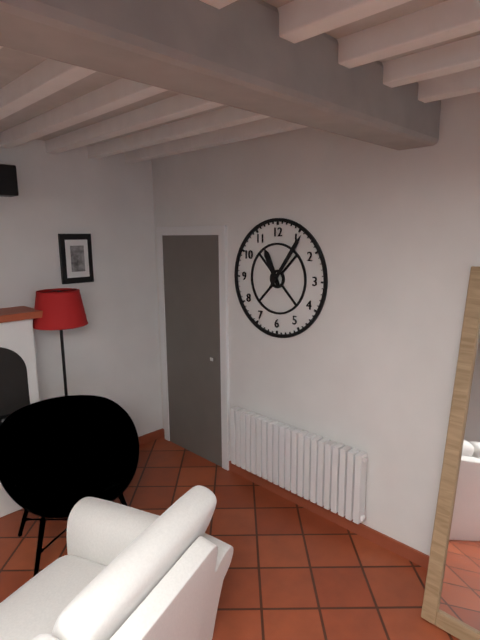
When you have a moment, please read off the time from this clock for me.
11:06
